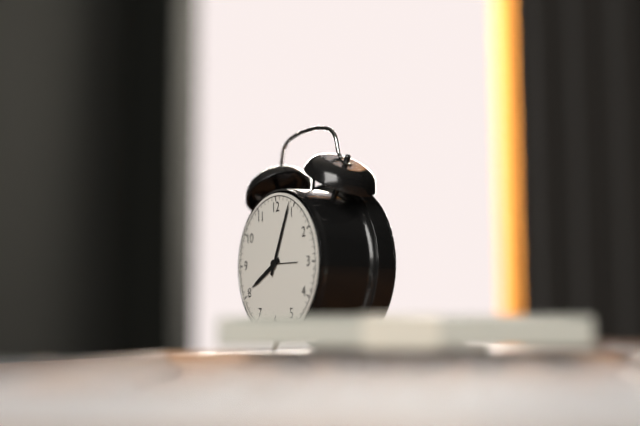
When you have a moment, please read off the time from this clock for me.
8:04
